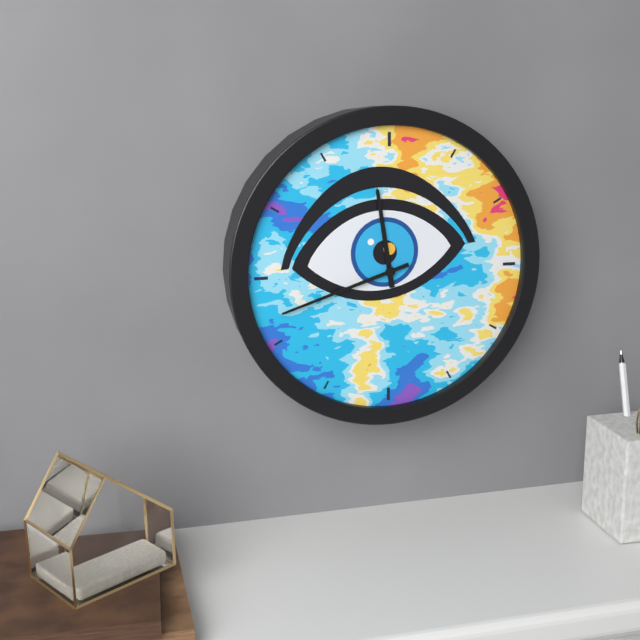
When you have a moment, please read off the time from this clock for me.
11:42
